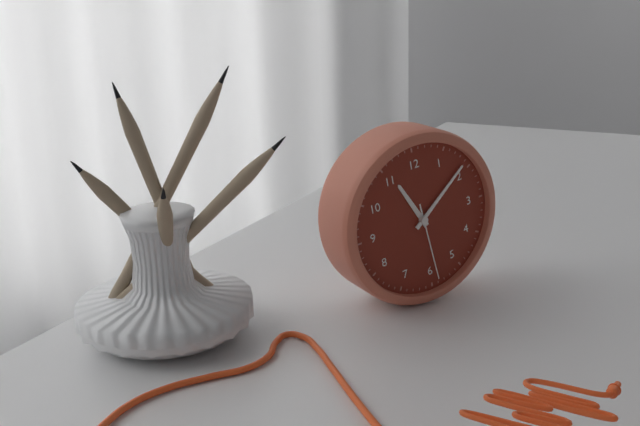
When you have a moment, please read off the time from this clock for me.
11:09:29
